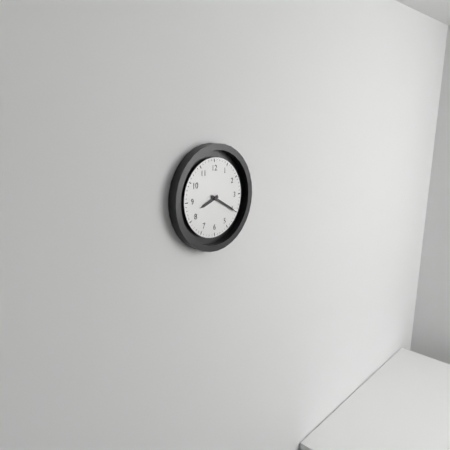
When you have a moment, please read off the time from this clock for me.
8:20
